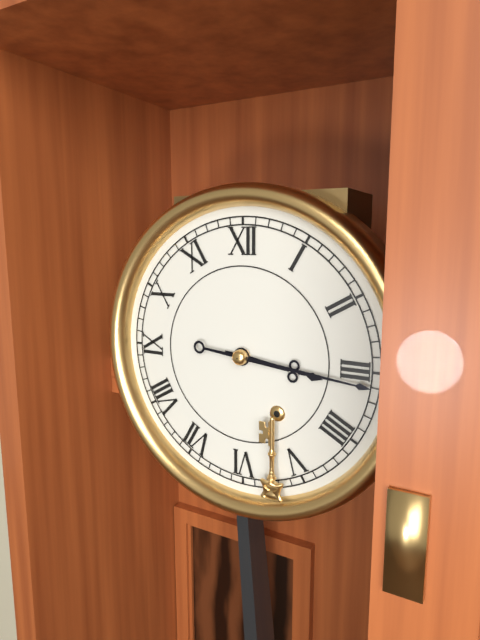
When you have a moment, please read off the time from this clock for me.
3:16
